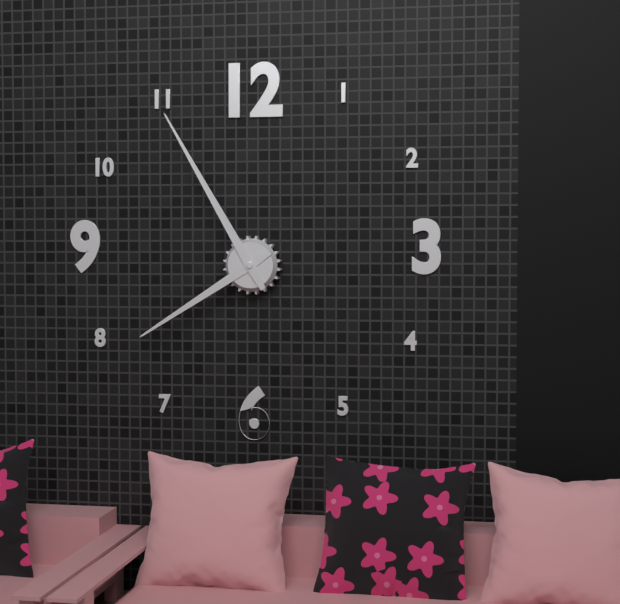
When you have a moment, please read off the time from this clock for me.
7:55
